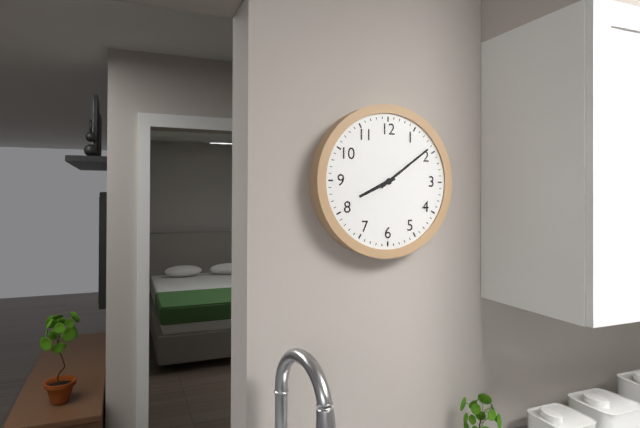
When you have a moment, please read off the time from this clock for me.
8:09
